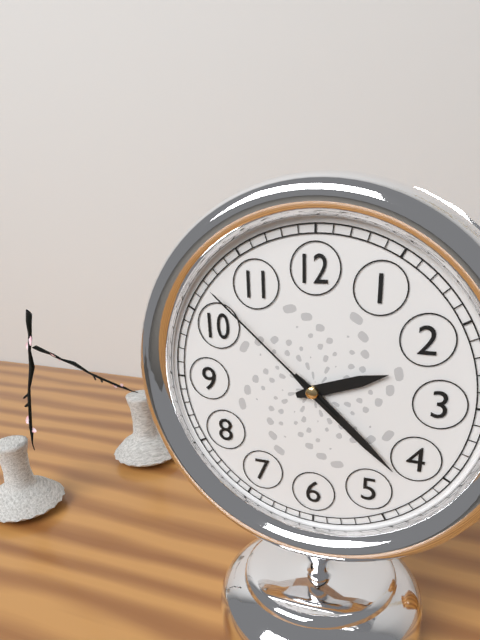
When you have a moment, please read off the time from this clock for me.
2:22:52
